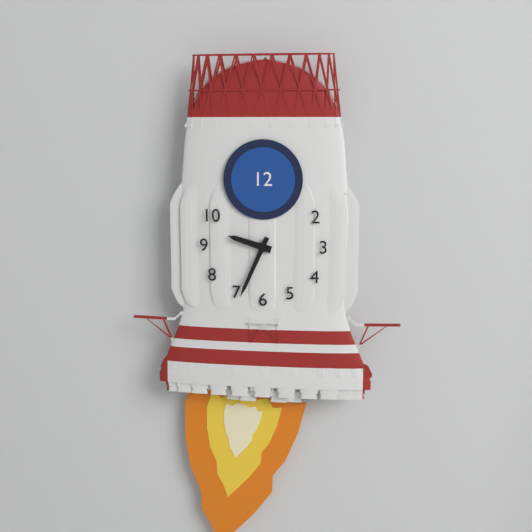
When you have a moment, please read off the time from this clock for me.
9:34
